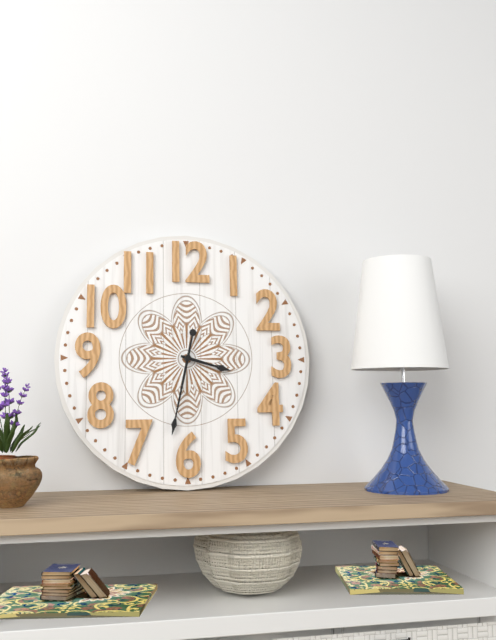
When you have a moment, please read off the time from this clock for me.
3:32
